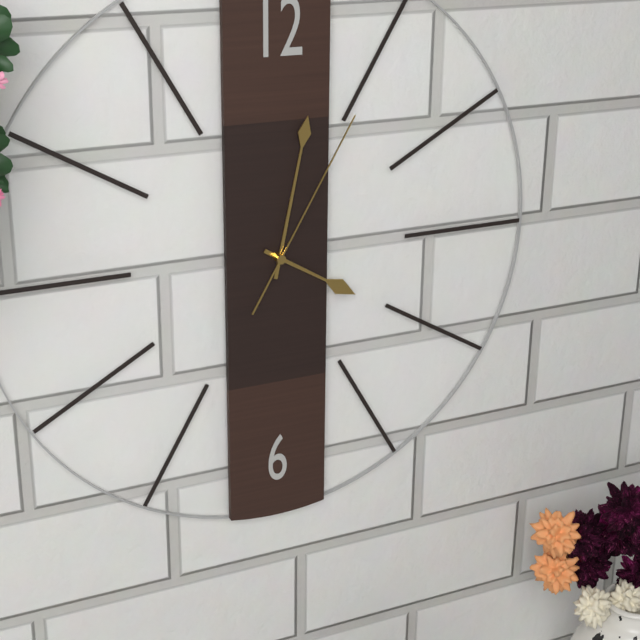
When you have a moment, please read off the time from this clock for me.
4:02:05
